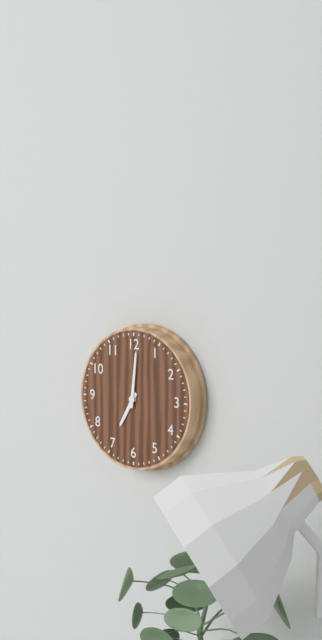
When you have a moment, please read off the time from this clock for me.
7:01
